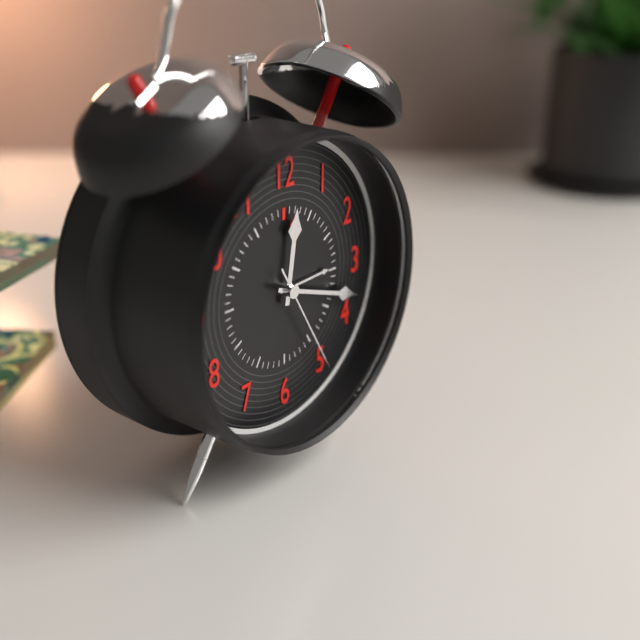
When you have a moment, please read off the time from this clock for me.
12:18:25
